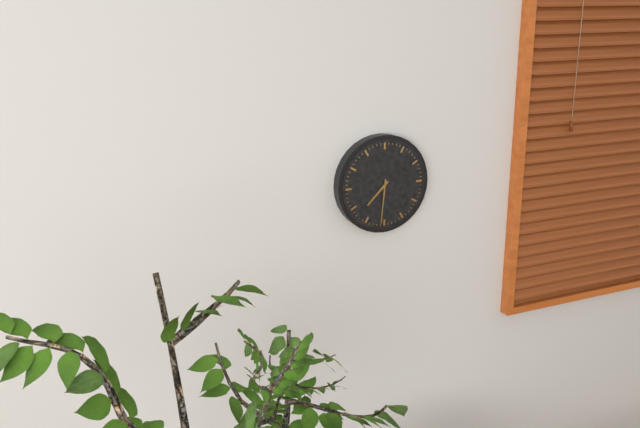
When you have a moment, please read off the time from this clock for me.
7:31
